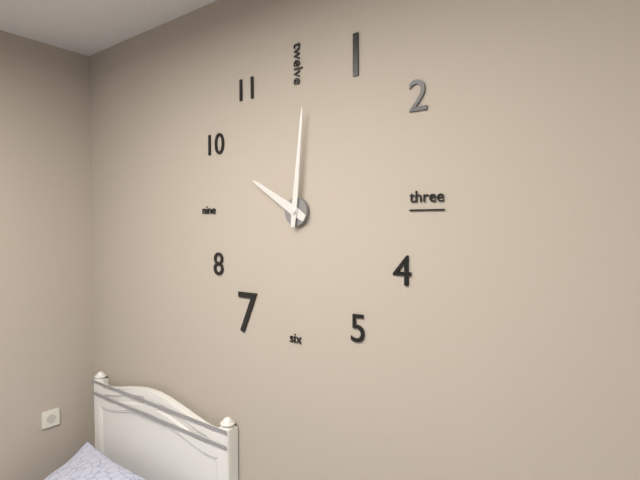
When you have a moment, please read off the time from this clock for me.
10:01
